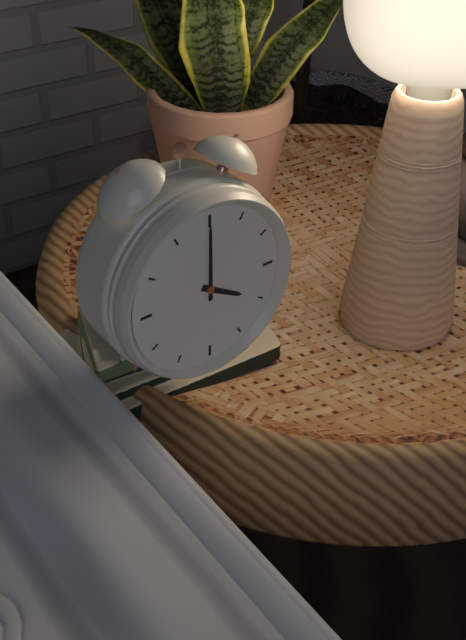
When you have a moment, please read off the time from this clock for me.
4:00
